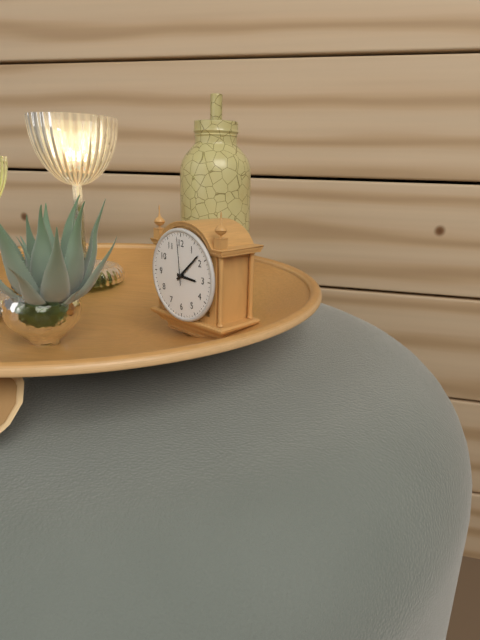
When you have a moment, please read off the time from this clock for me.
3:08
